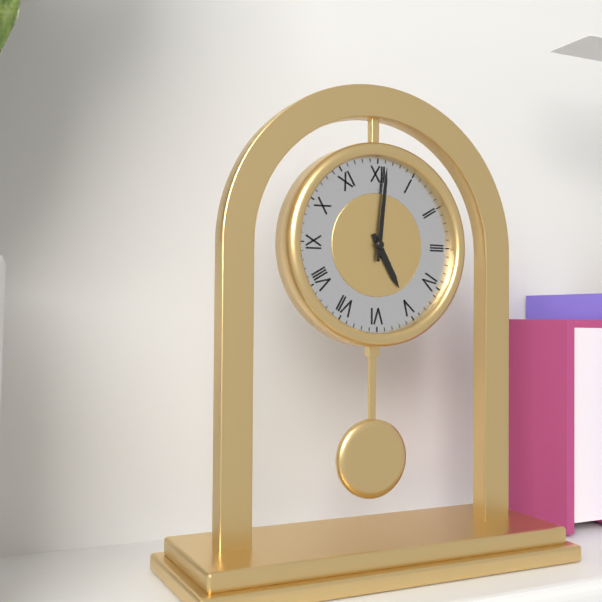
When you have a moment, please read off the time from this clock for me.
5:01
